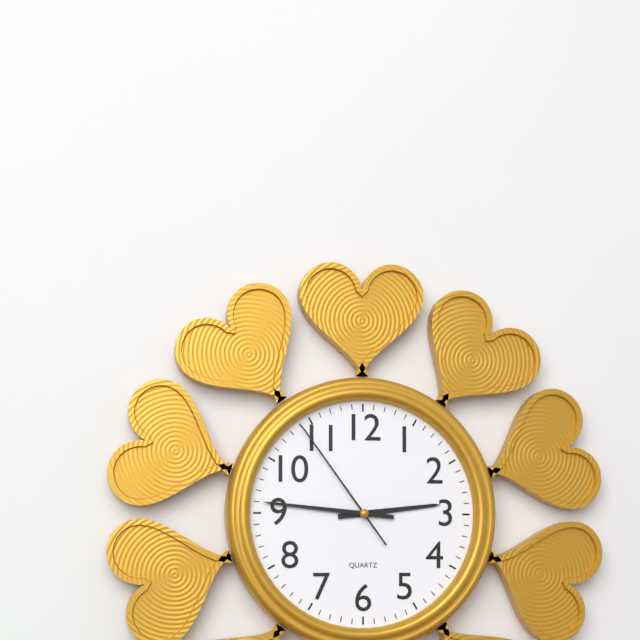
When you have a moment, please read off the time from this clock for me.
2:46:54
